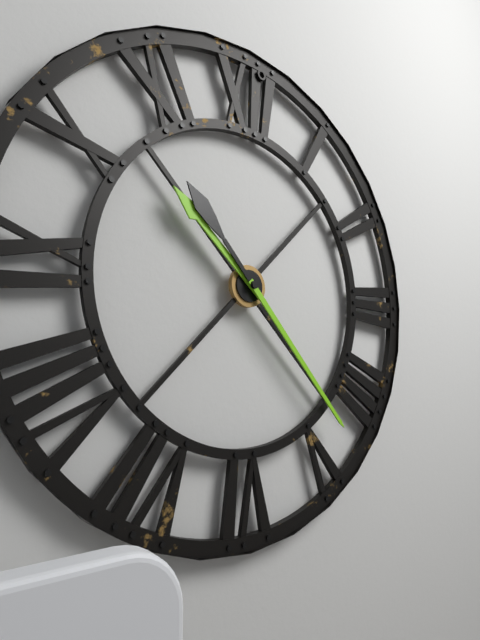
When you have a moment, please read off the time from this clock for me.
10:23
